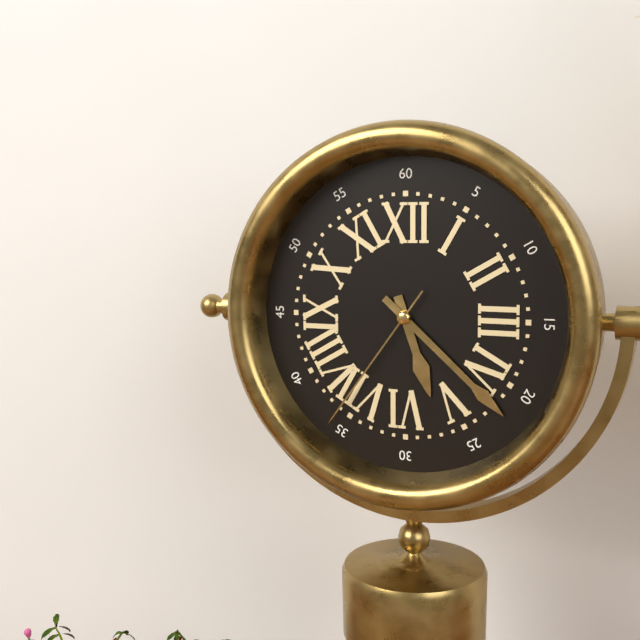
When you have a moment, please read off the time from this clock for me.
5:22:36
